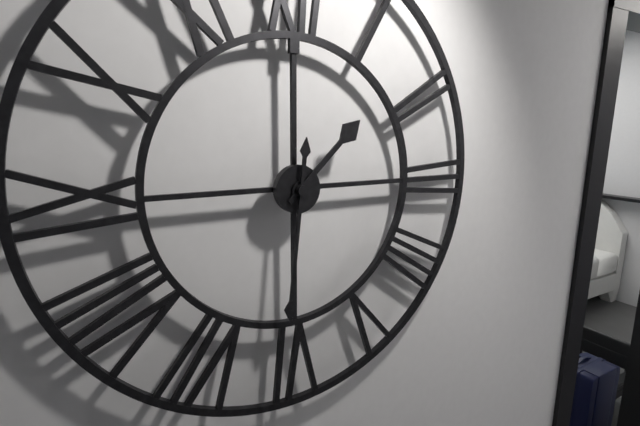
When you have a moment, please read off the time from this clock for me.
1:31
